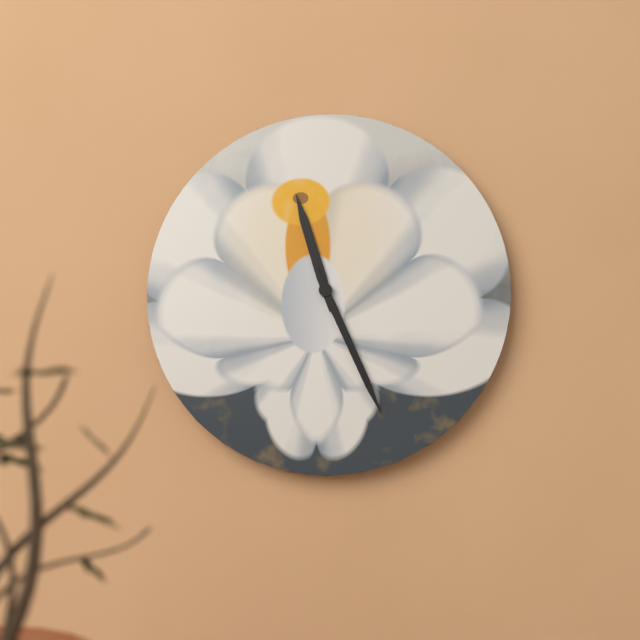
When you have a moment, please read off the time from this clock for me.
11:26
